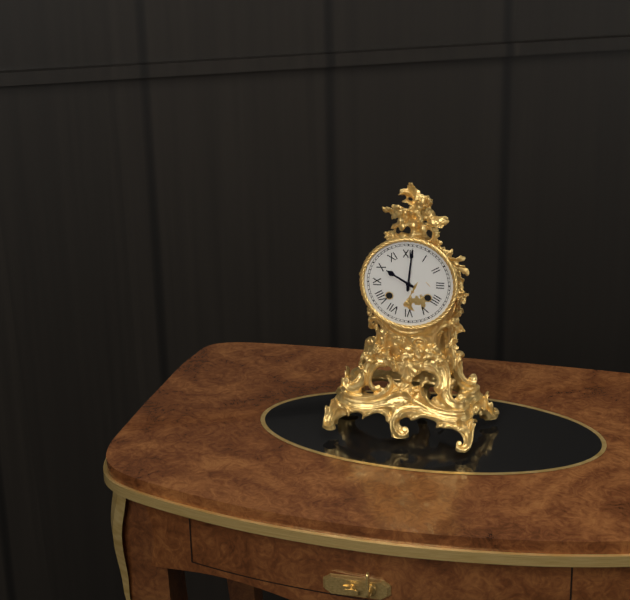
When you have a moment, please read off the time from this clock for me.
10:01
